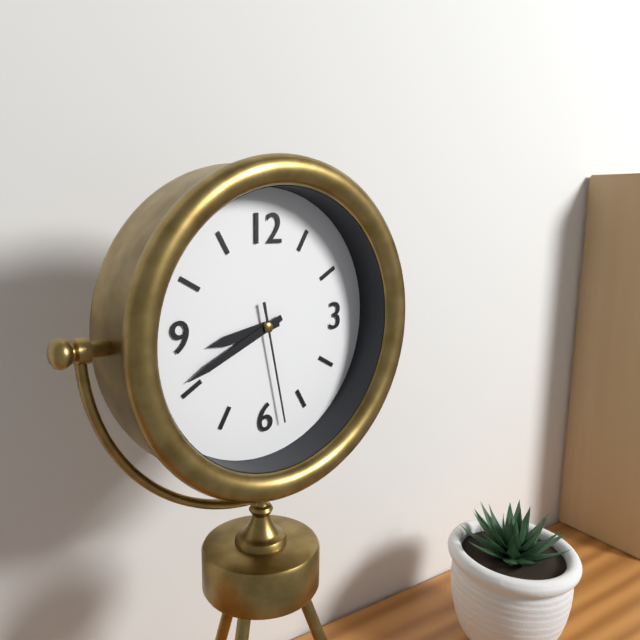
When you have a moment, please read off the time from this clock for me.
8:41:28
